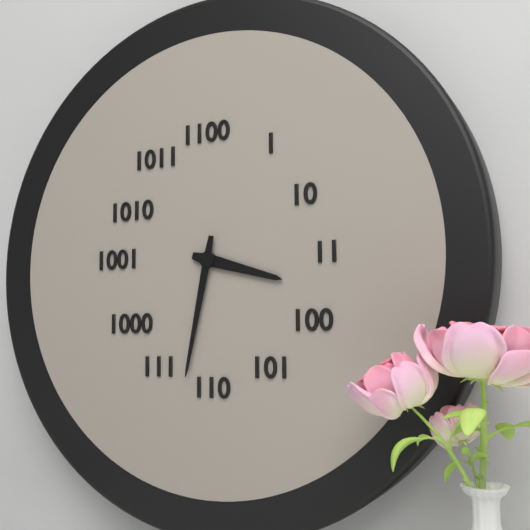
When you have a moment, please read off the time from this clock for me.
3:32
